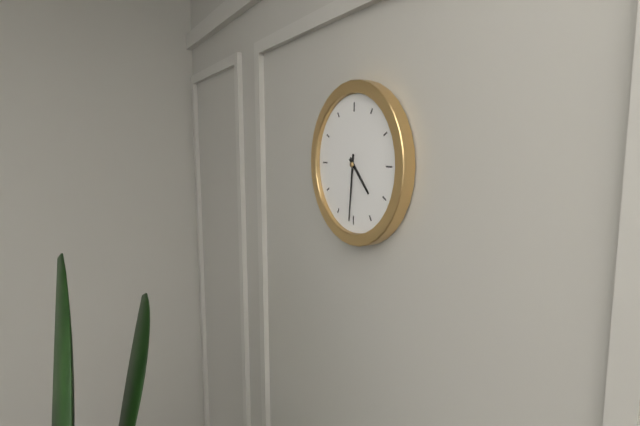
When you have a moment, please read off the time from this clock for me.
4:31
